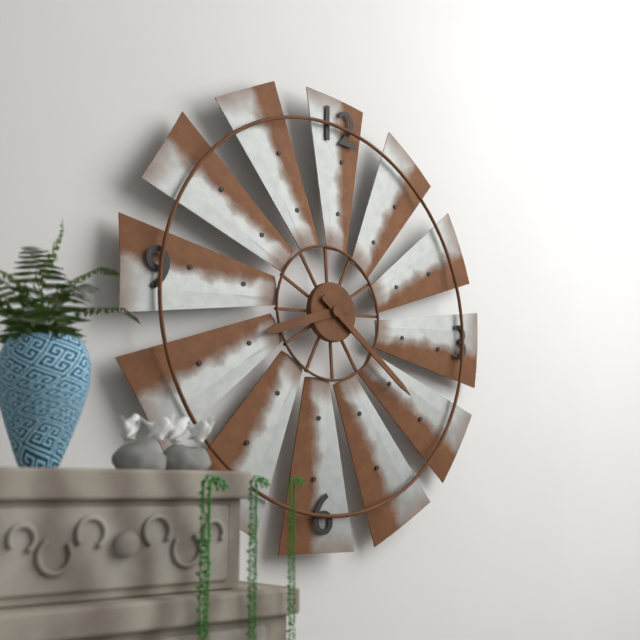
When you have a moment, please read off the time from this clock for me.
8:21
